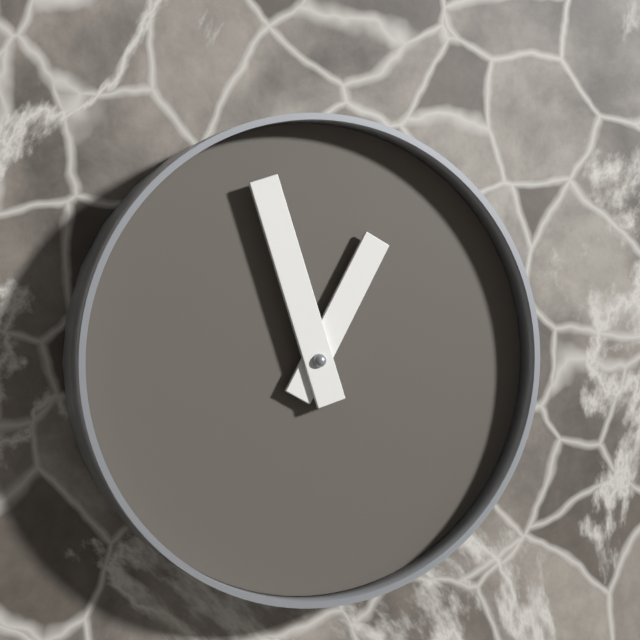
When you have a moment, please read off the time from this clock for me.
12:57
